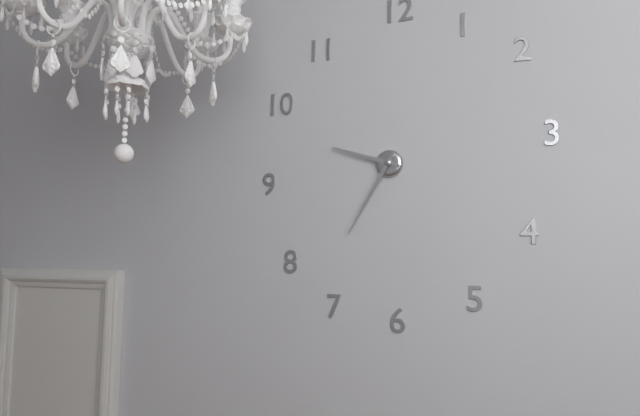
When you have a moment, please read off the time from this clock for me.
9:35
